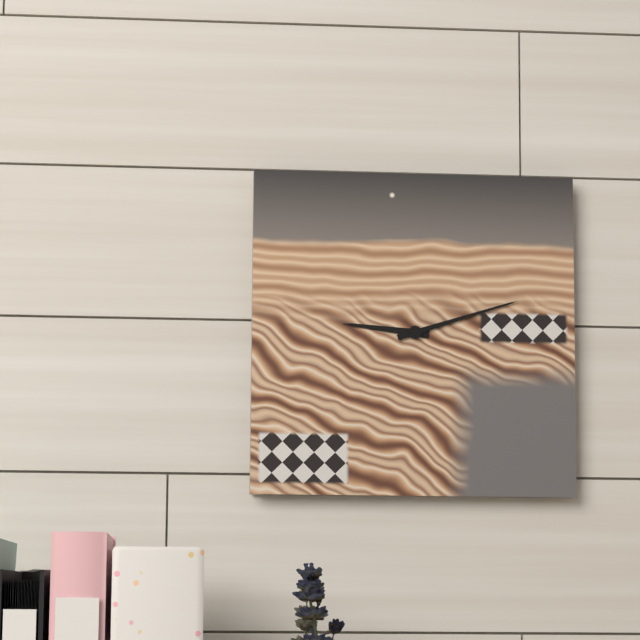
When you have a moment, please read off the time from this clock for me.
9:12
